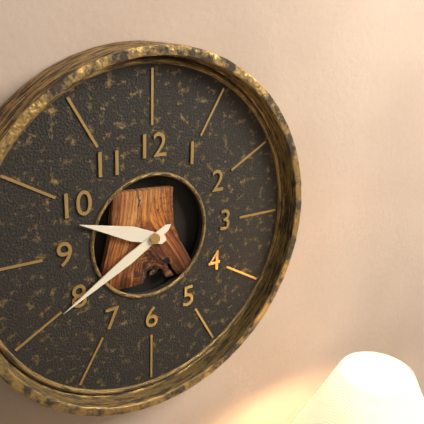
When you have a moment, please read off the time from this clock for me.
9:40
